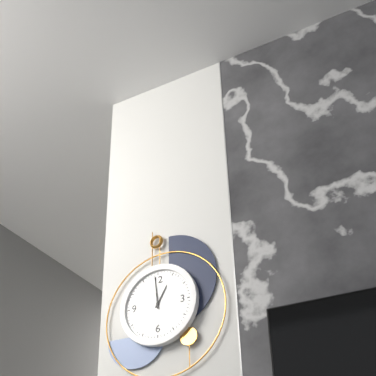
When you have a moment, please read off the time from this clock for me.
12:59
